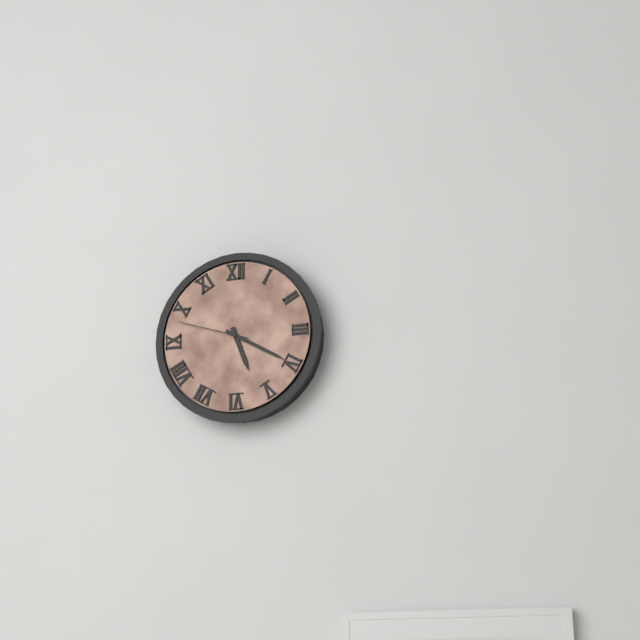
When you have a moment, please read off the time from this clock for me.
5:20:48
